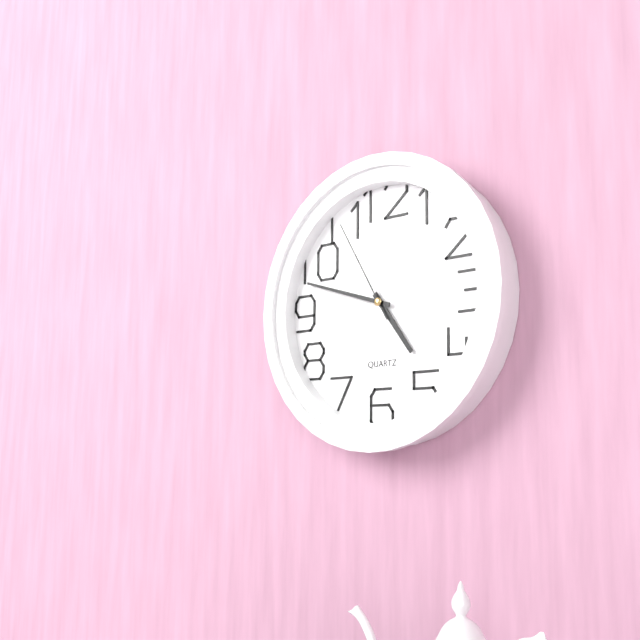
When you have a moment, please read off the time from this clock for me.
4:48:55
